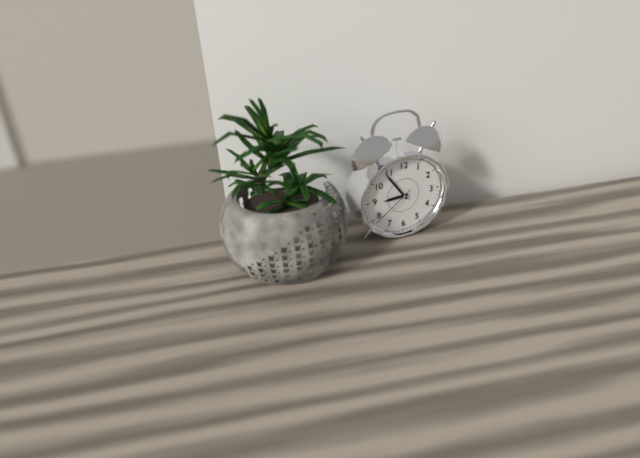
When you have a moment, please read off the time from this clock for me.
8:54
